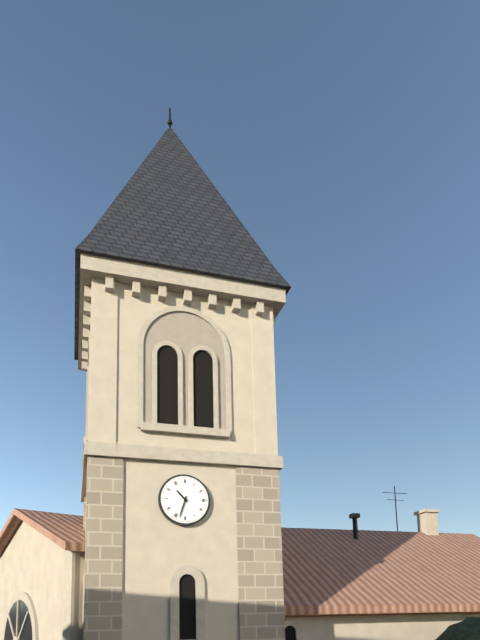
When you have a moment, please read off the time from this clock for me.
10:33
